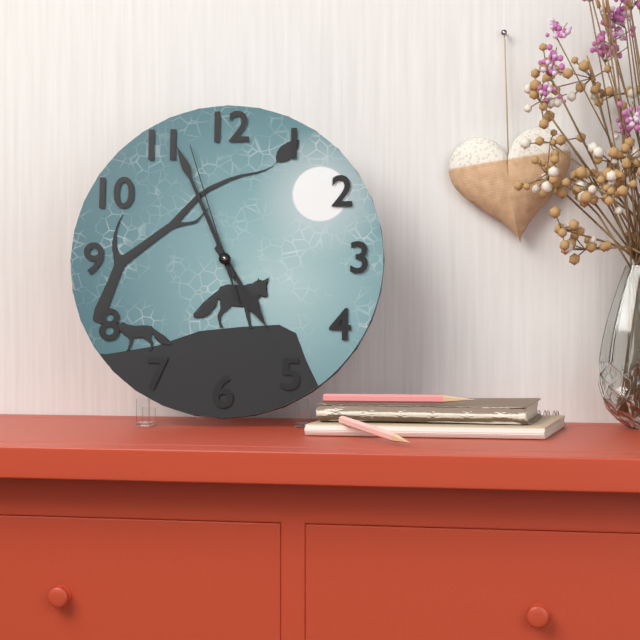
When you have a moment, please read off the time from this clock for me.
4:56:57
